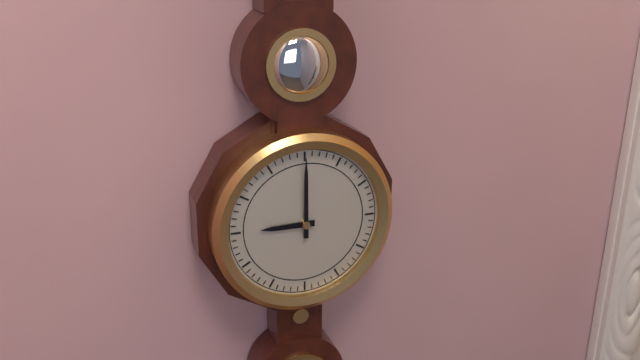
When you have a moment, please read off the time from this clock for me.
9:00
